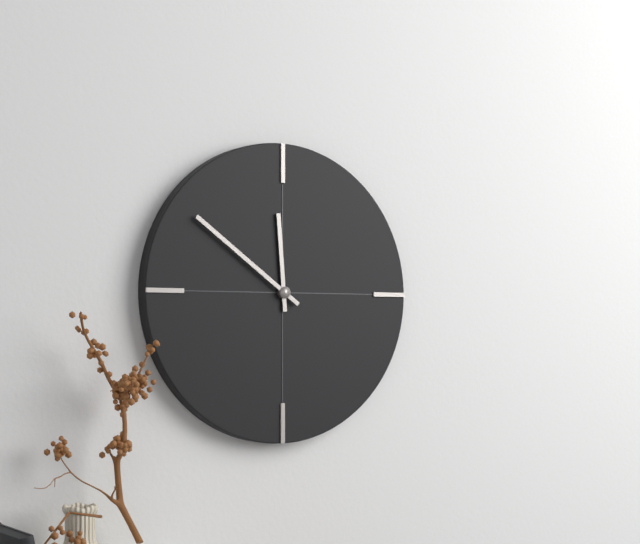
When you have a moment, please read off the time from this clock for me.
11:51
